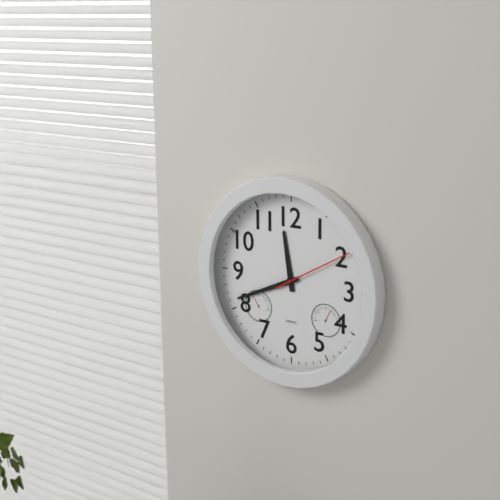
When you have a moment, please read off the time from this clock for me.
11:41:10
